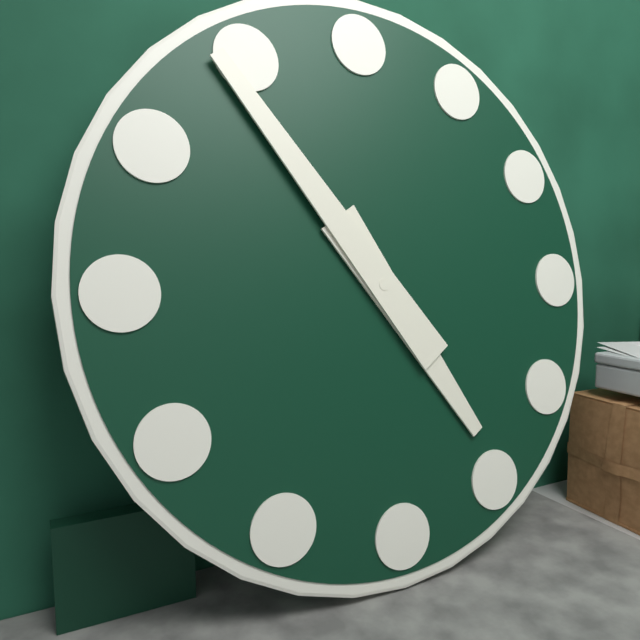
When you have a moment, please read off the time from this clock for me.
4:54
